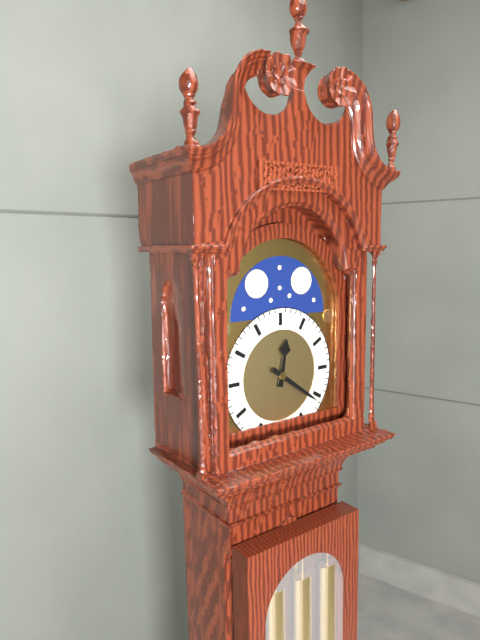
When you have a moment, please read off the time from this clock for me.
12:21
